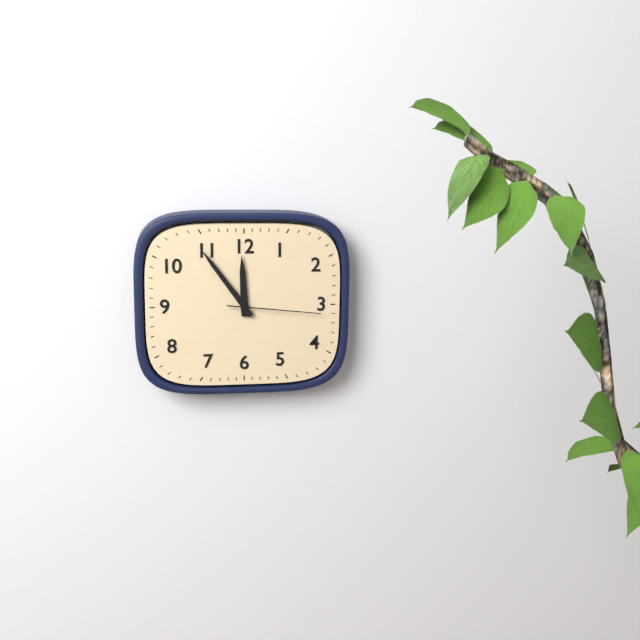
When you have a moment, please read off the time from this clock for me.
11:54:16
